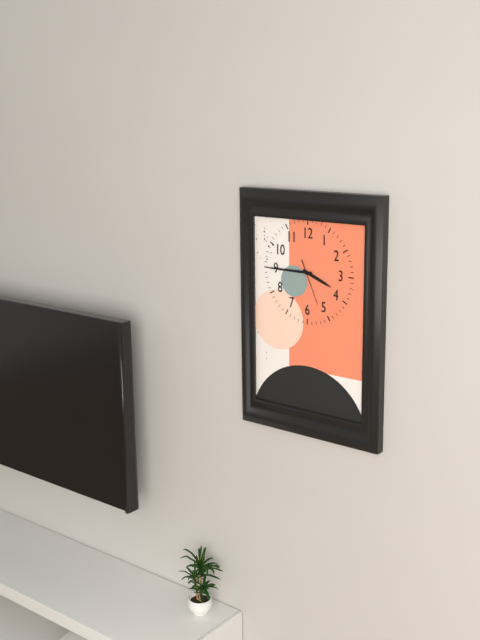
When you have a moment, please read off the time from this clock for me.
3:45
